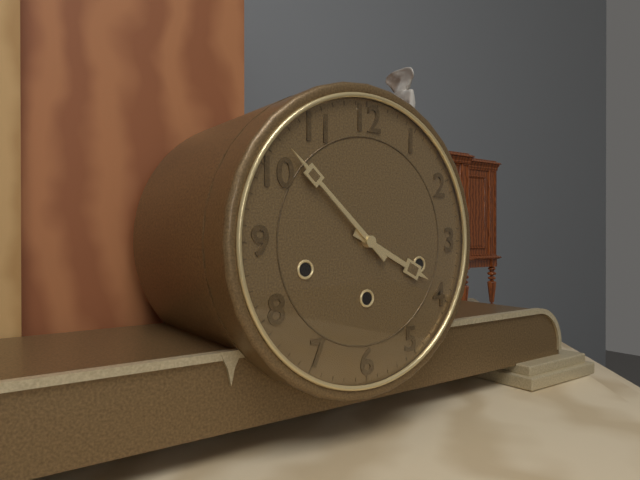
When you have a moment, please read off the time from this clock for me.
3:52
